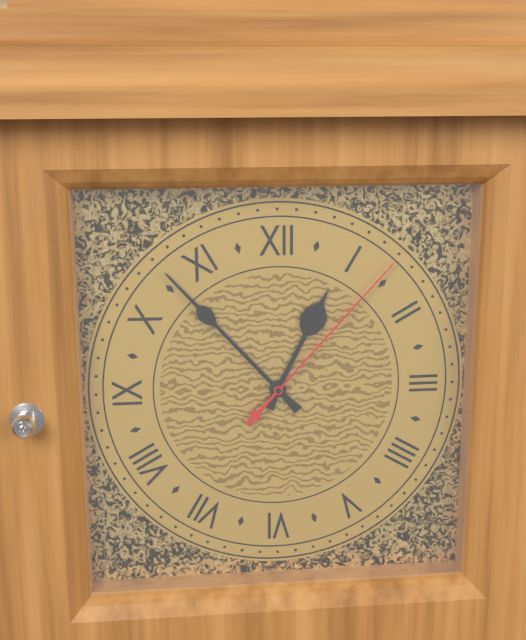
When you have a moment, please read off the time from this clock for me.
12:53:07
